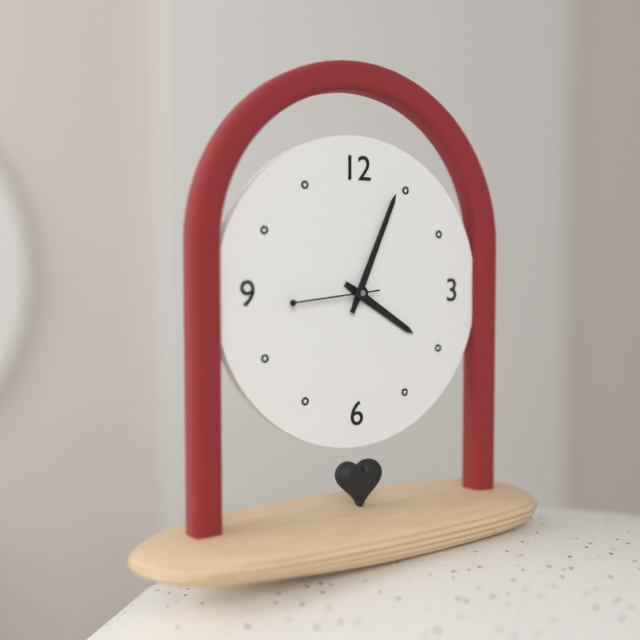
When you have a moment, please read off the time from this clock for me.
4:04:44
